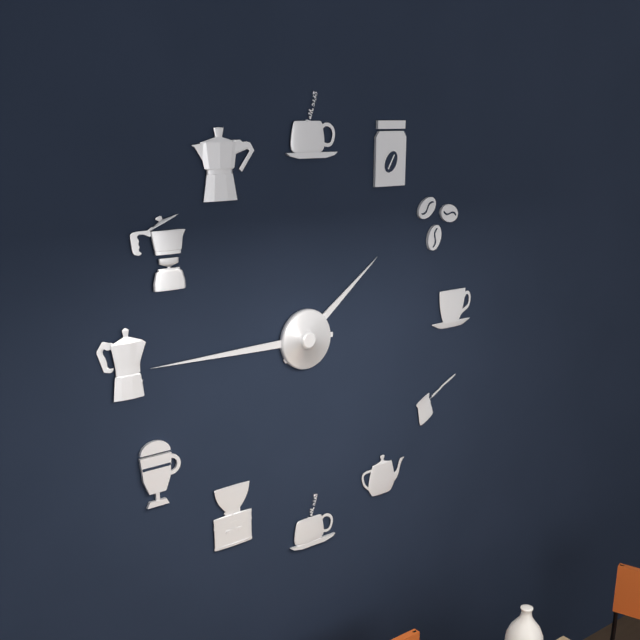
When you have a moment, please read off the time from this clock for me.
1:45
